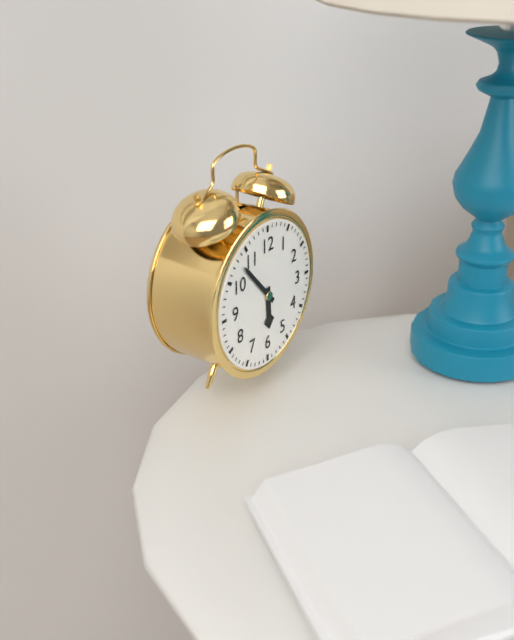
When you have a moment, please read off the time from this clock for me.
5:53
